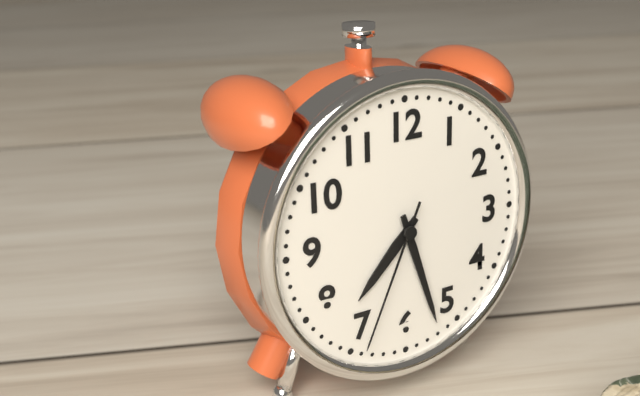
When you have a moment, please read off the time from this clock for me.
7:27:34
